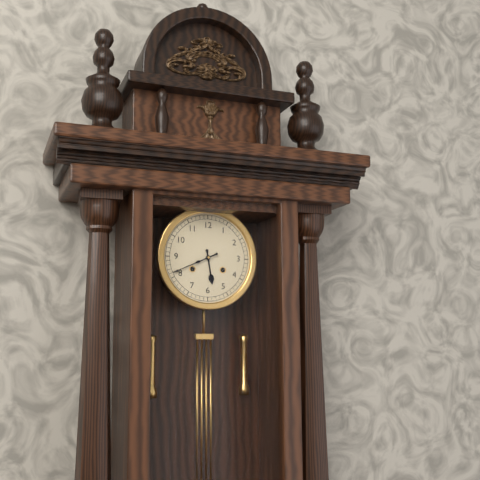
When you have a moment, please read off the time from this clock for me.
5:41
